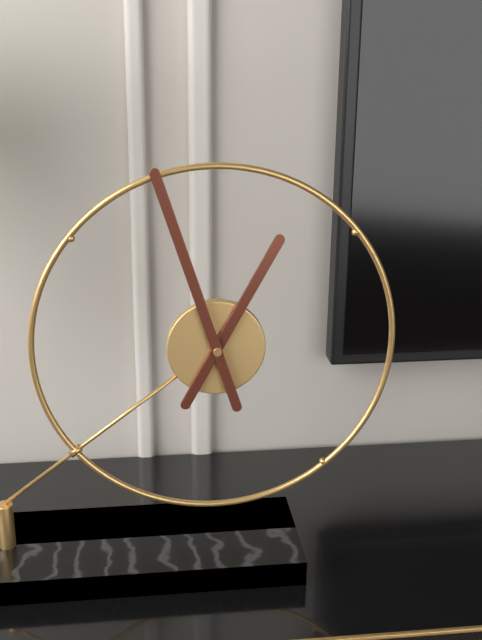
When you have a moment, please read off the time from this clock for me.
12:57
